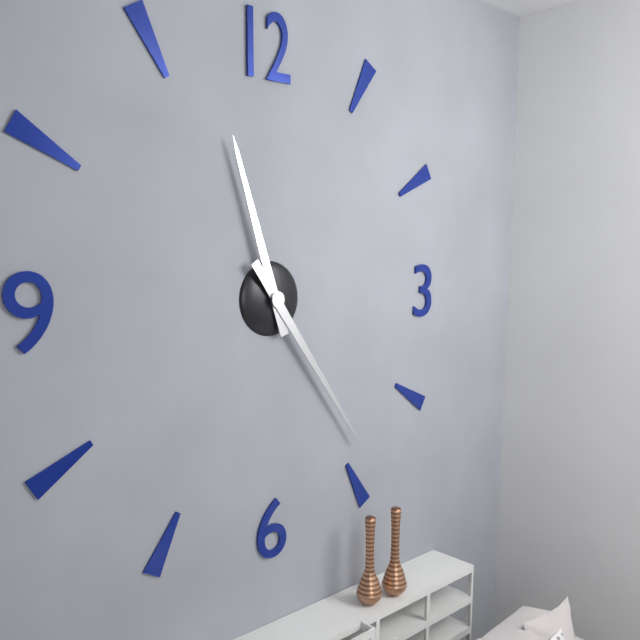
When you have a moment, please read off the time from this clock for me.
11:24
